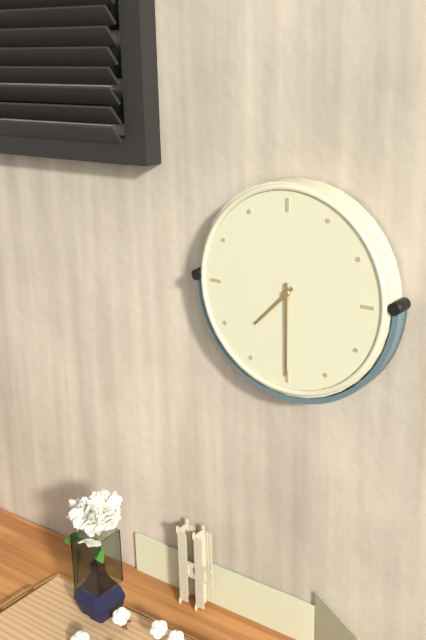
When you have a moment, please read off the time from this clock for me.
7:30
